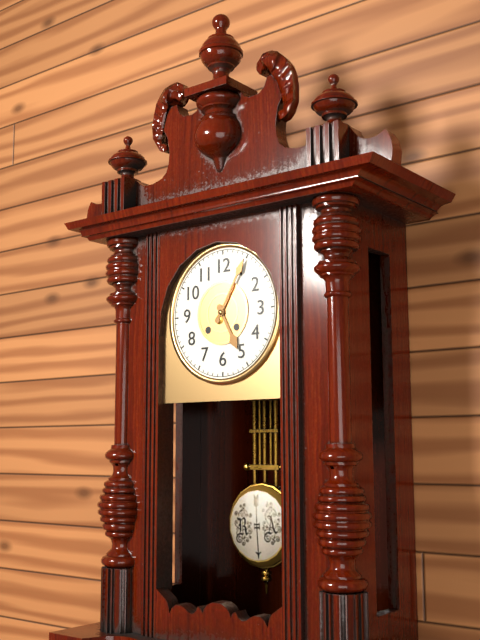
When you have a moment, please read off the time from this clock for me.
5:05
